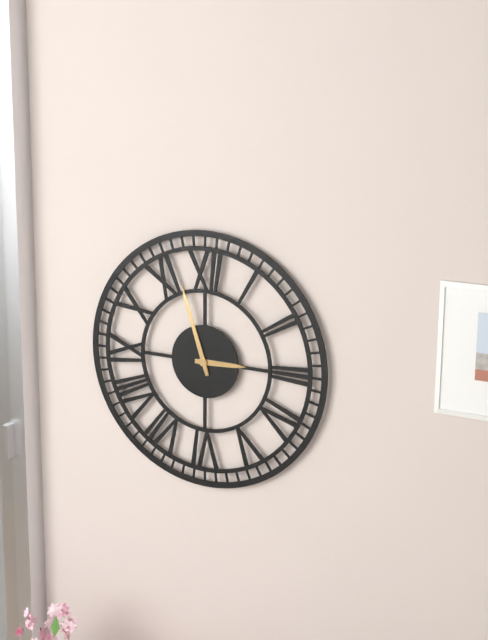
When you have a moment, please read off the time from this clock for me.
2:57
